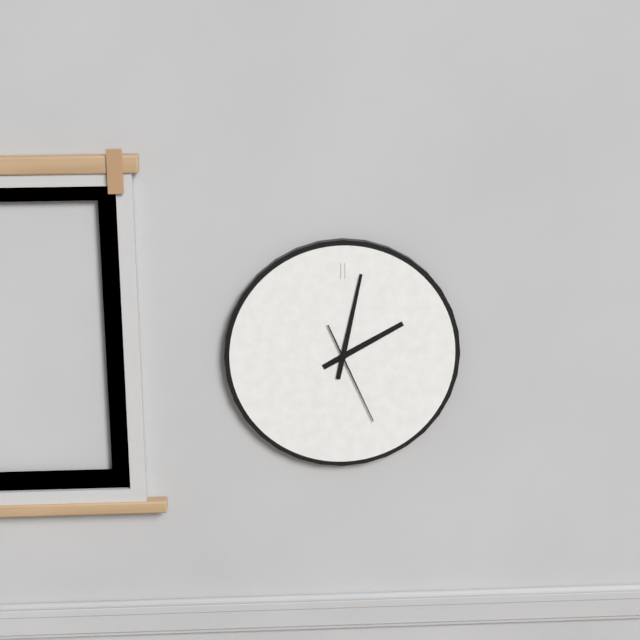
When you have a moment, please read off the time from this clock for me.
2:02:26
